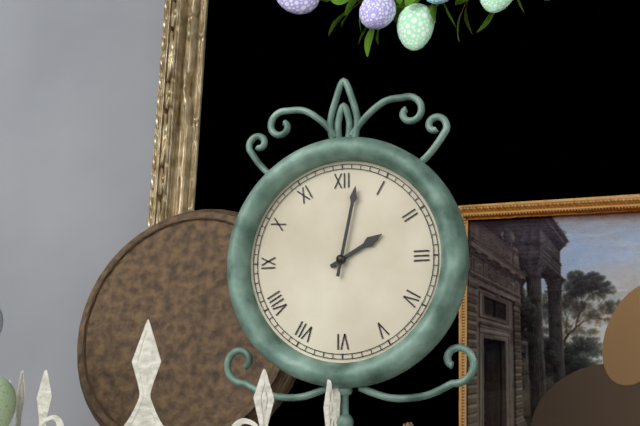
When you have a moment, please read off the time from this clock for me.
2:02
